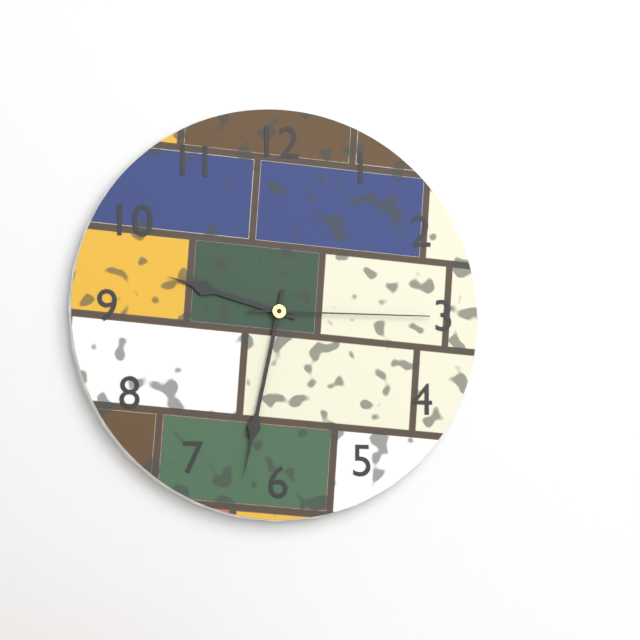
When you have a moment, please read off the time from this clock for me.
9:32:15
